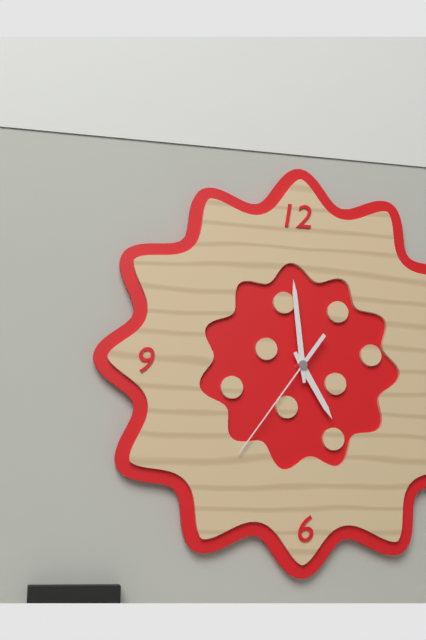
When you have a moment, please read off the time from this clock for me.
4:59:36
